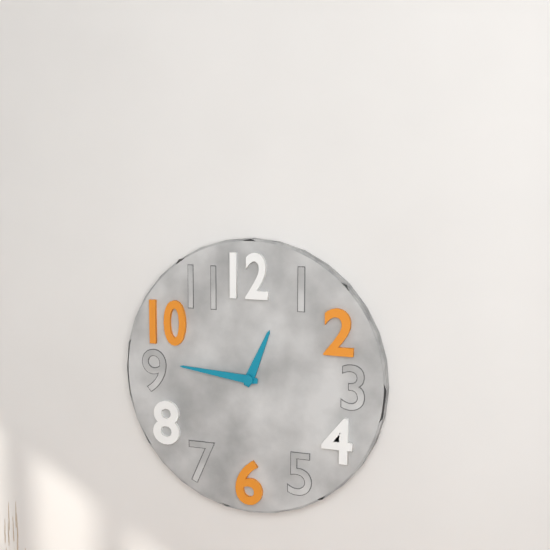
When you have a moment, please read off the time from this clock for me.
12:46
